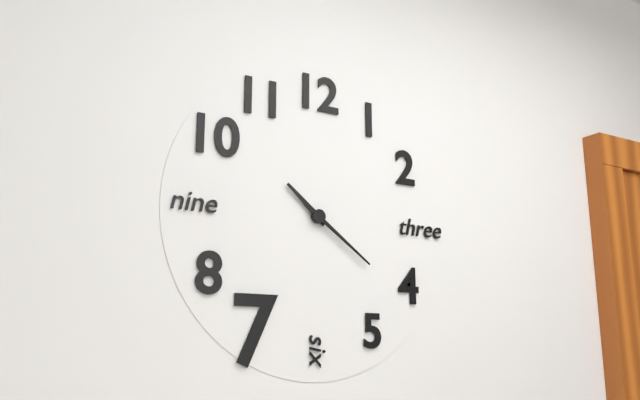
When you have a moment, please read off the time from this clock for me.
10:21
